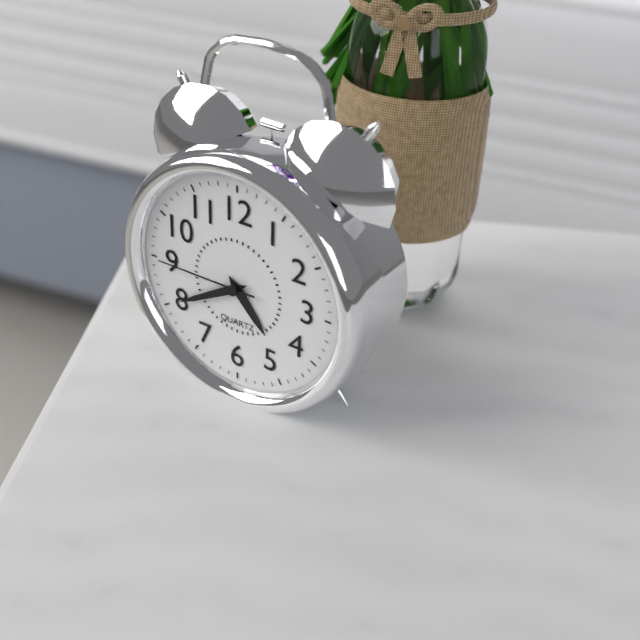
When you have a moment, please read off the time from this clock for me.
4:40:45
